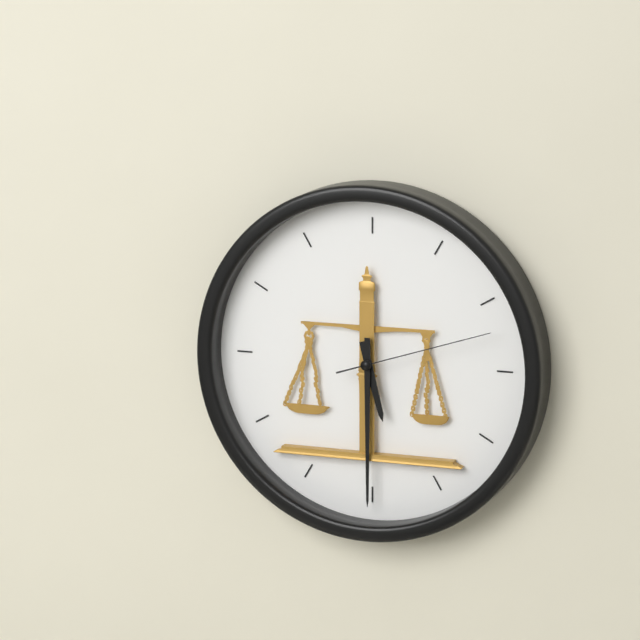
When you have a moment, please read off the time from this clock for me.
5:30:12
